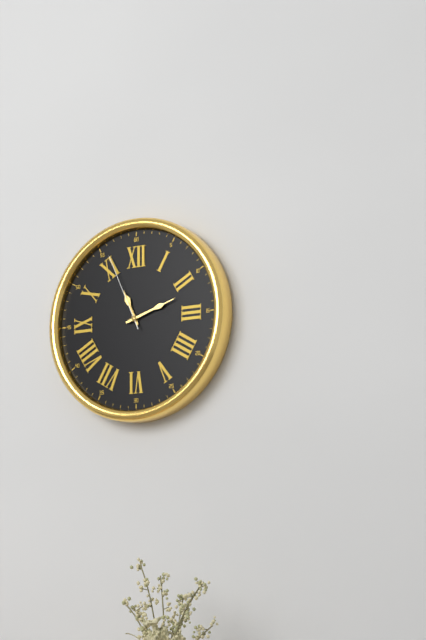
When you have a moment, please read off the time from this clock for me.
11:12:56
